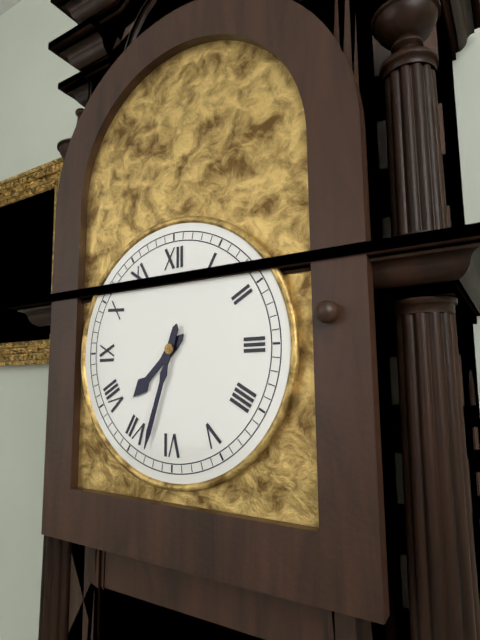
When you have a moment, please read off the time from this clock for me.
7:33
